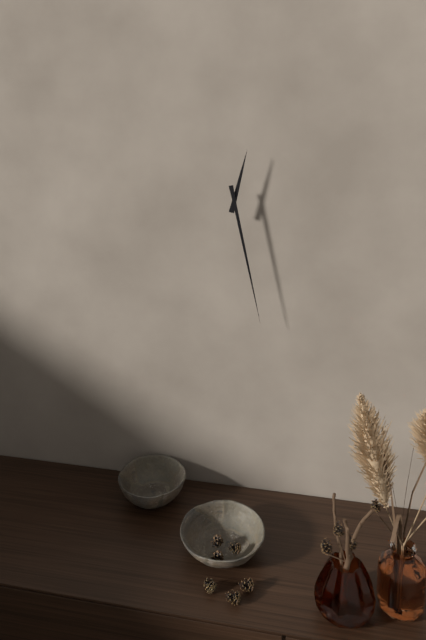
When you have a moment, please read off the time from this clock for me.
12:28
